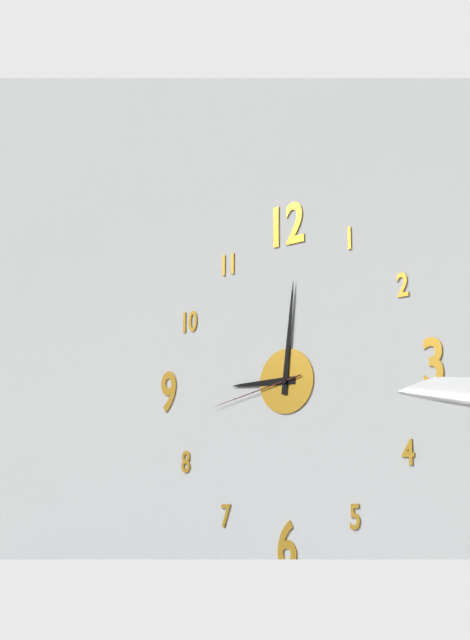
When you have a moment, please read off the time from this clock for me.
9:01:43
